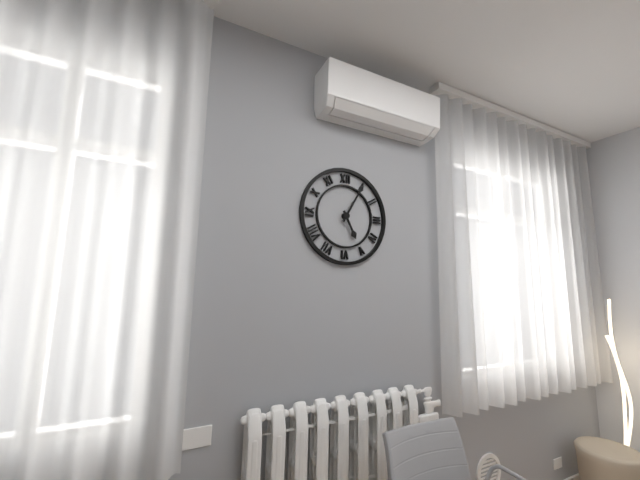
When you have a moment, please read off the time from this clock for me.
5:05
